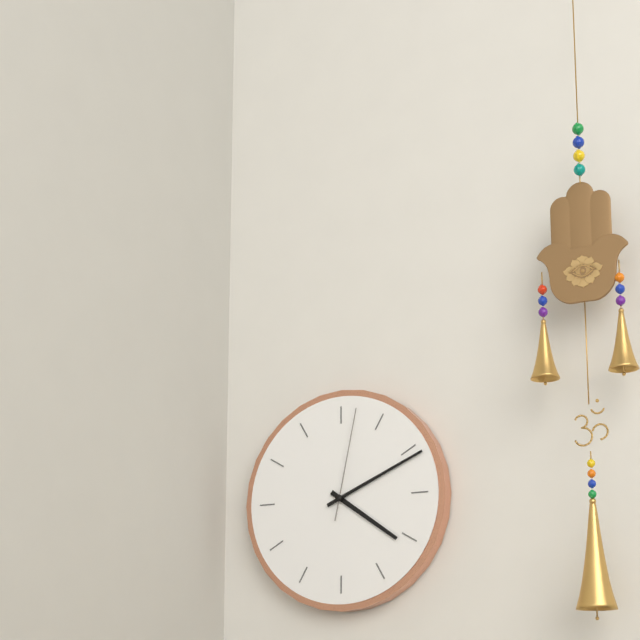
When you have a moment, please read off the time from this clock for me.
4:11:02
